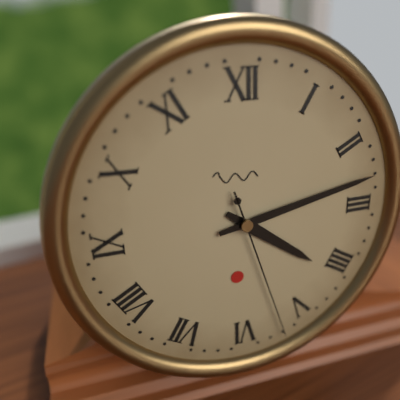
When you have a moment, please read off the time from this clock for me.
4:13:27
